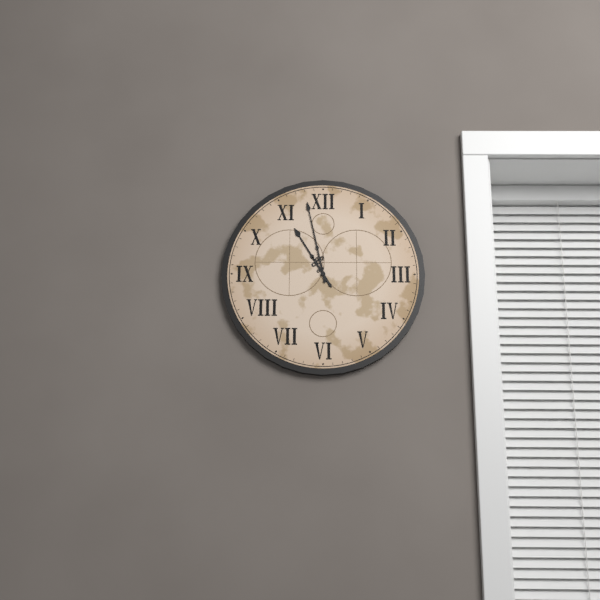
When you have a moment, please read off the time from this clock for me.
10:58
